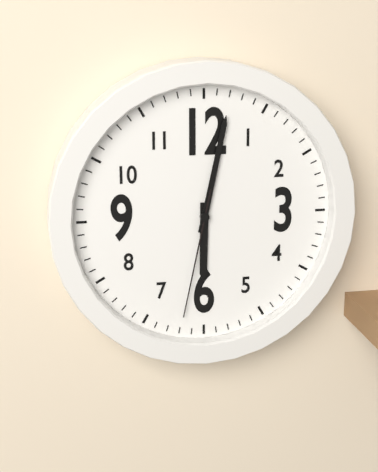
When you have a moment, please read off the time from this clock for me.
6:02:32
